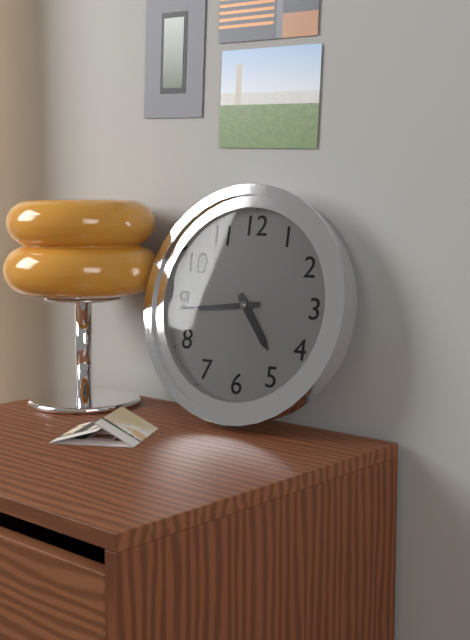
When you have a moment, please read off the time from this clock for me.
4:44
